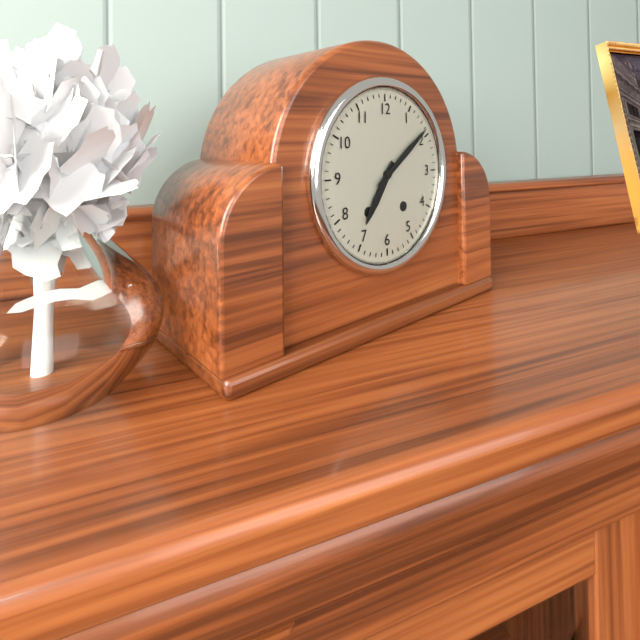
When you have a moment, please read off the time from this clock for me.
7:09
